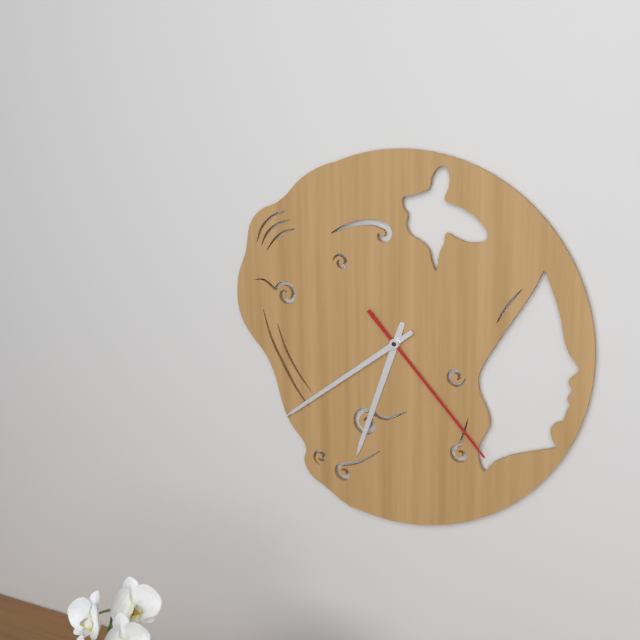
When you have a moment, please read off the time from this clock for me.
6:39:23
